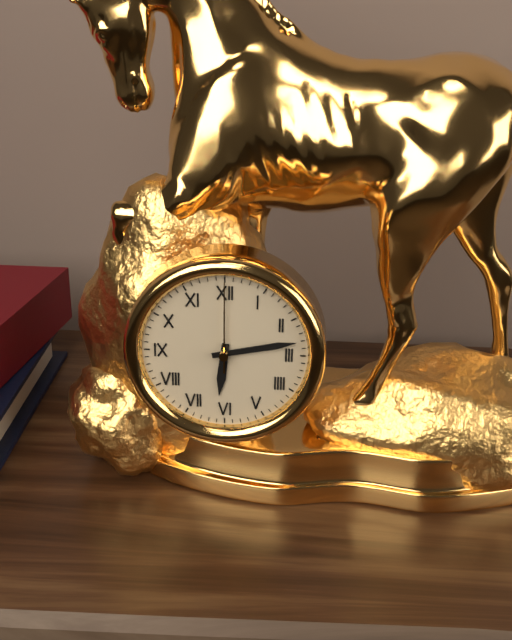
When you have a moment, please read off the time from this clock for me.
6:13:00
